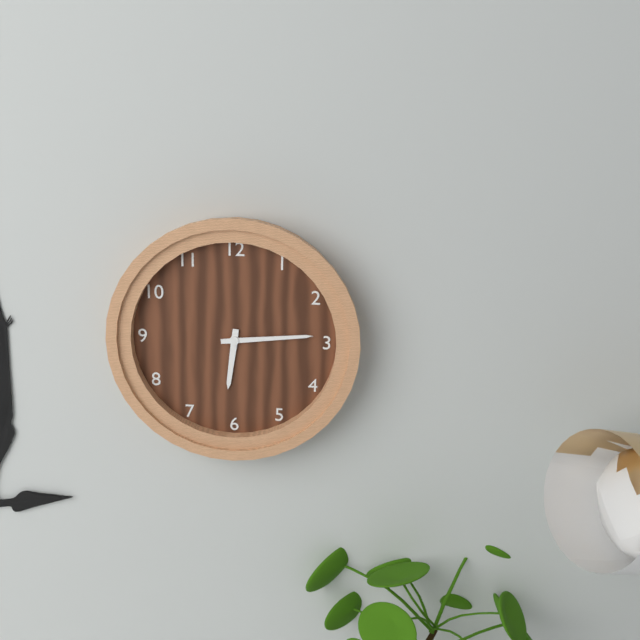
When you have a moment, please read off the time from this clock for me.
6:14
